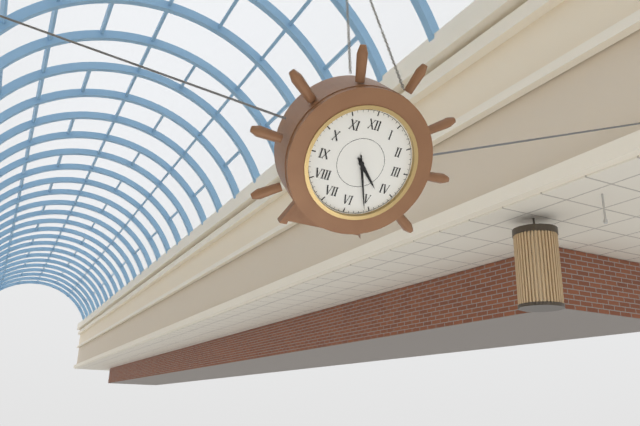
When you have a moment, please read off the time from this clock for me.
4:26
